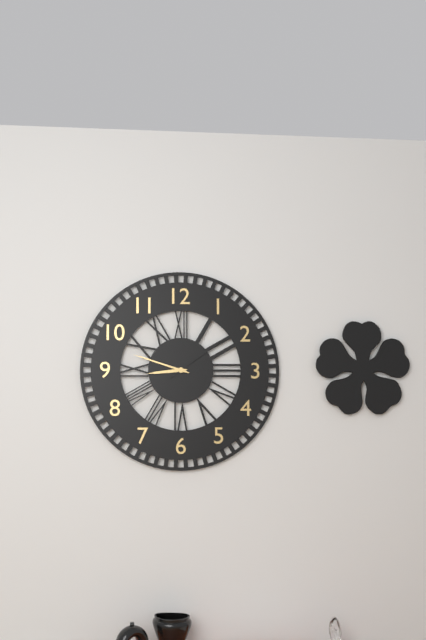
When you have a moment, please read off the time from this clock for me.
8:48:09
